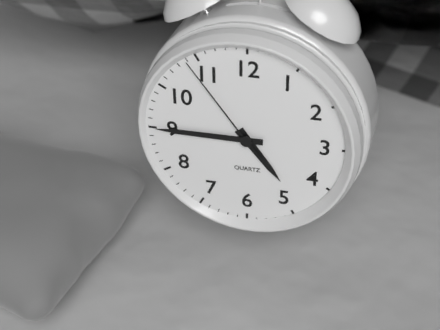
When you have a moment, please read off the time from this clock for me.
4:45:54
